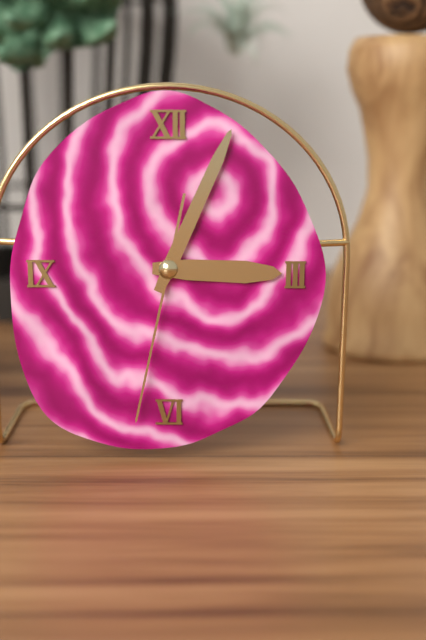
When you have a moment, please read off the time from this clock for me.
3:04:32
